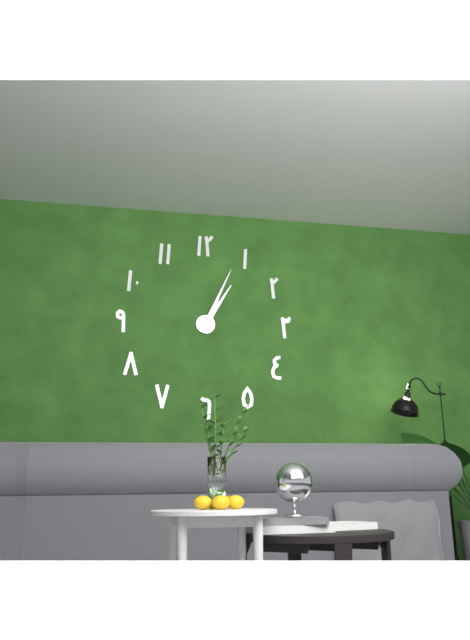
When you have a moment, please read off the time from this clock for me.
1:04
